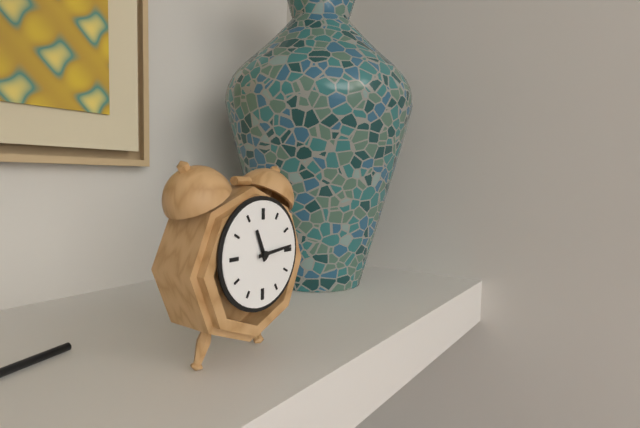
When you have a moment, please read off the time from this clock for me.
11:14
